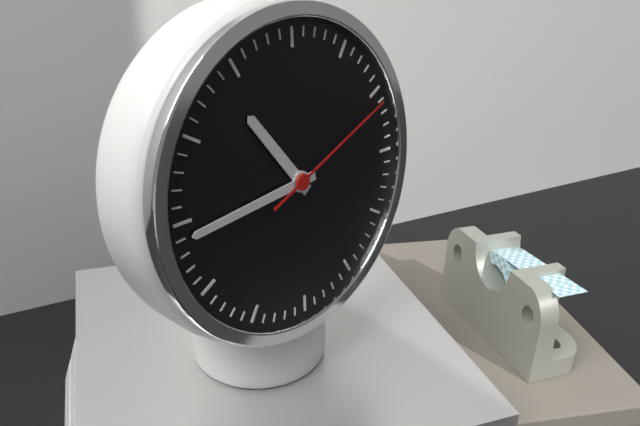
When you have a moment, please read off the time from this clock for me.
10:44:11
